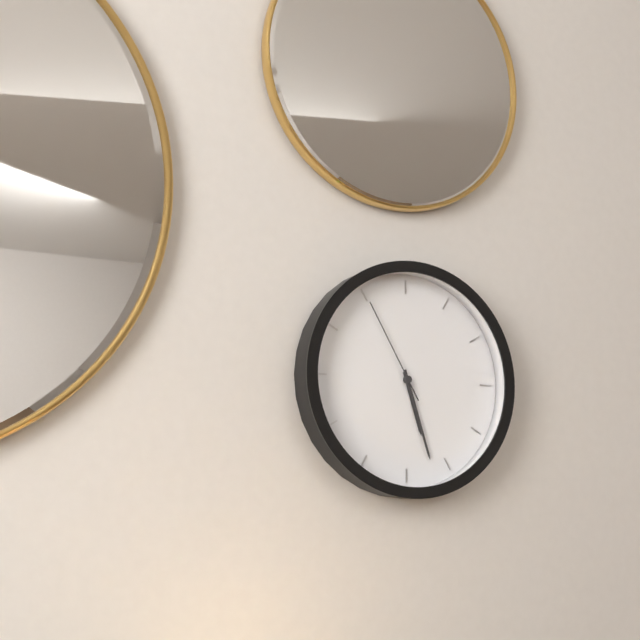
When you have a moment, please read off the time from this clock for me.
5:27:55
